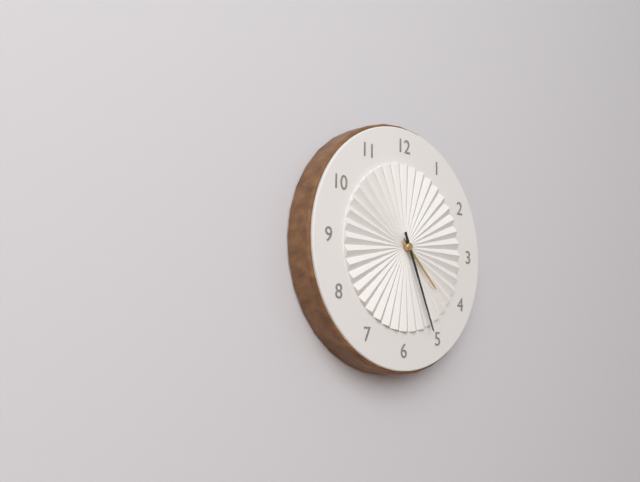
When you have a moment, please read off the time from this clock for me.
4:26
